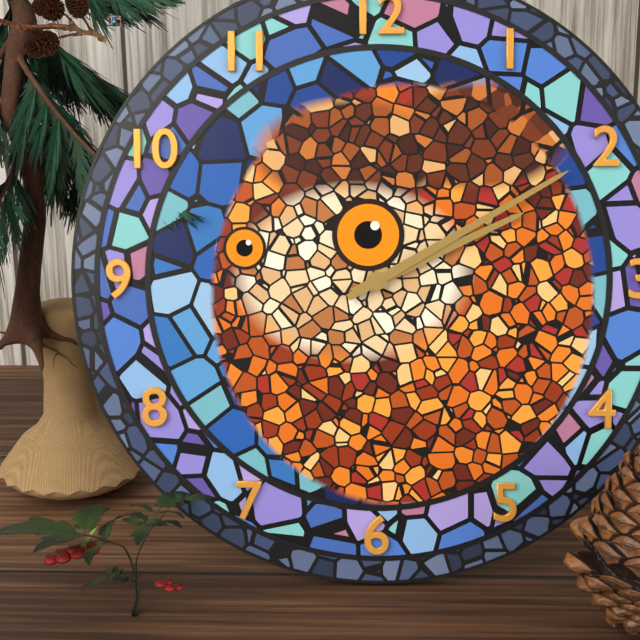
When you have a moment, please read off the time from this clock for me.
2:10
